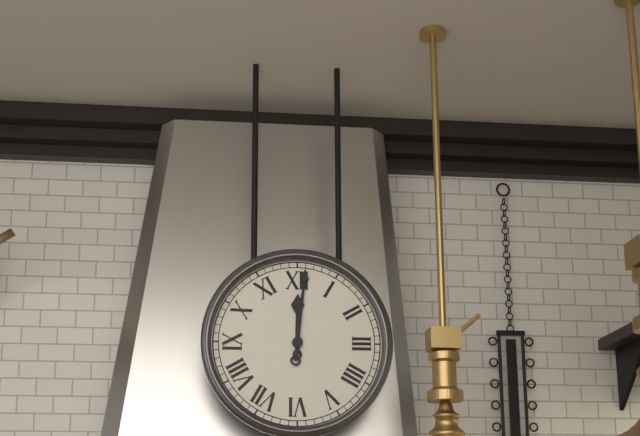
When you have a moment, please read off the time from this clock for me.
12:01
